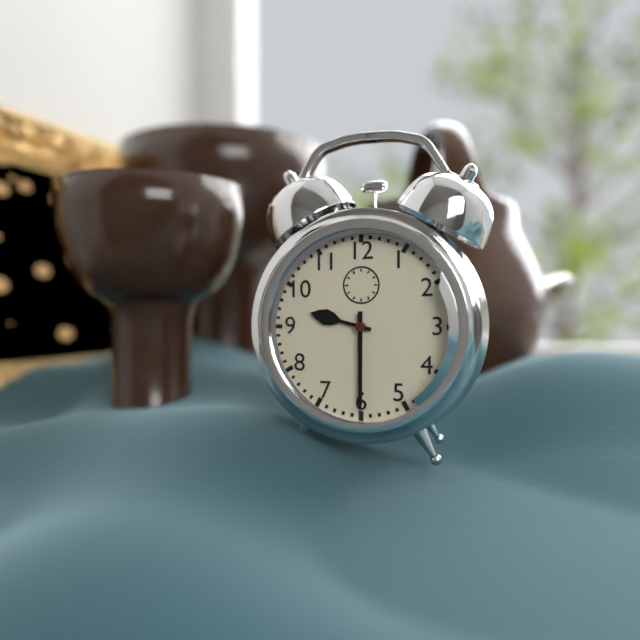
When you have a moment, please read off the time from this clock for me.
9:30
